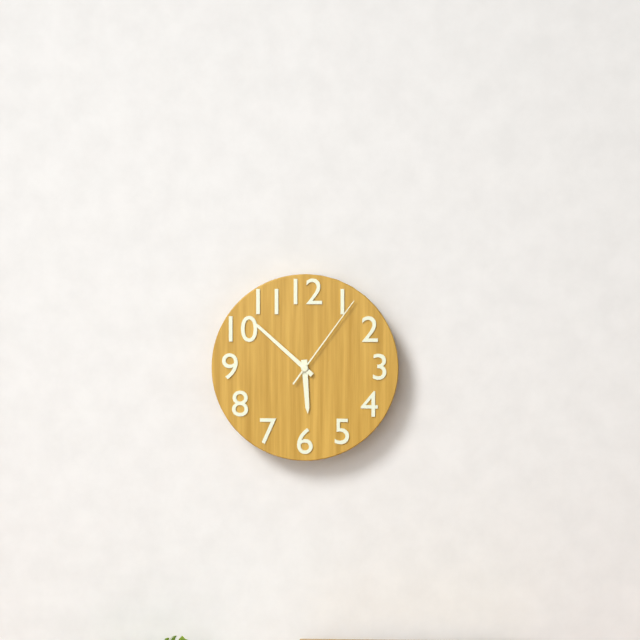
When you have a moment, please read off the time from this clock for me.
5:52:06
